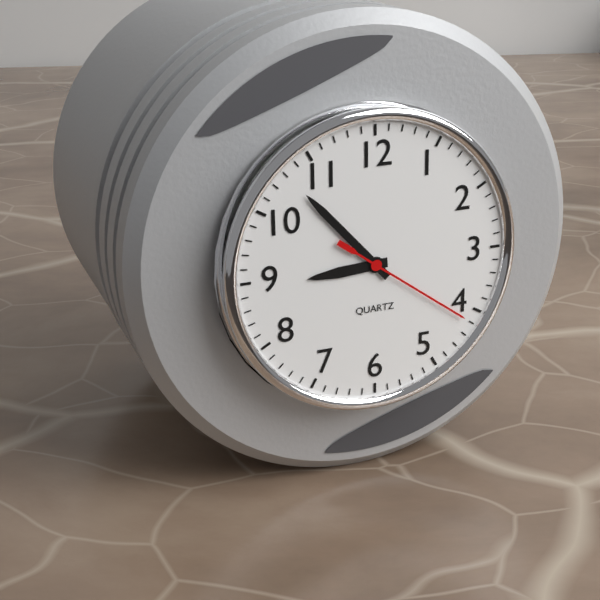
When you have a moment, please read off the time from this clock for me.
8:53:21
